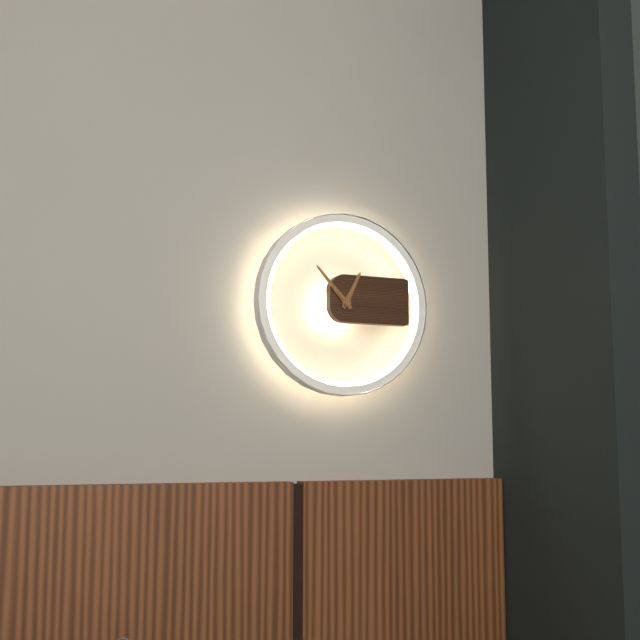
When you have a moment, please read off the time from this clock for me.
12:53
